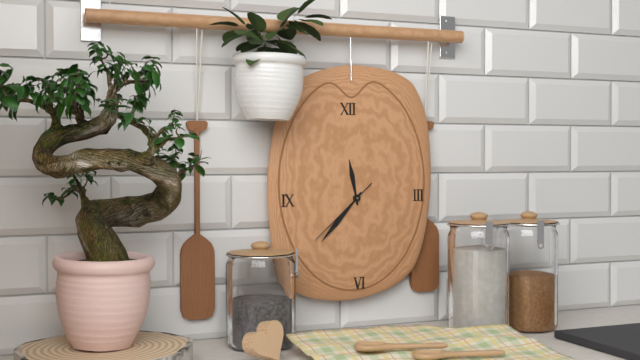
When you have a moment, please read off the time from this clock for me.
11:37:38
